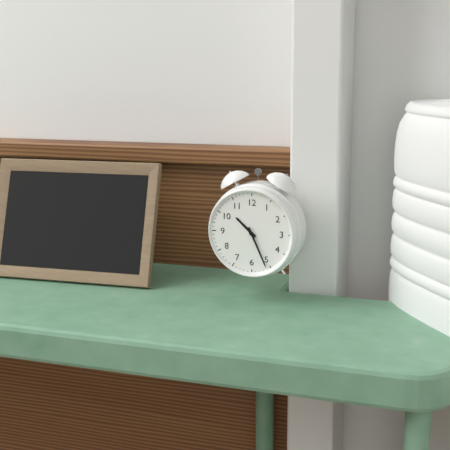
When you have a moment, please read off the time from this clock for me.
10:26
